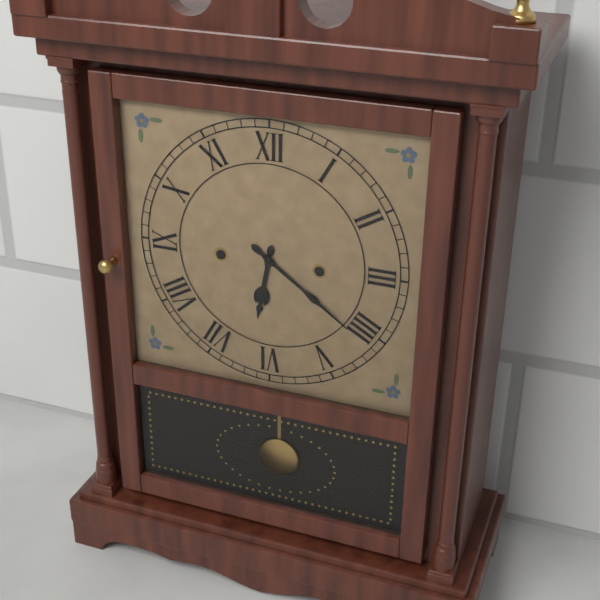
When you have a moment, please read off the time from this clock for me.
6:21
